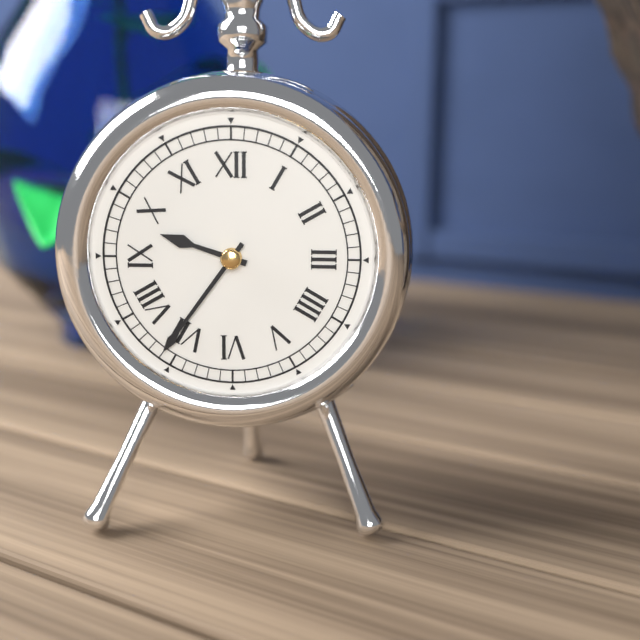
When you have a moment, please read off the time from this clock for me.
9:36
